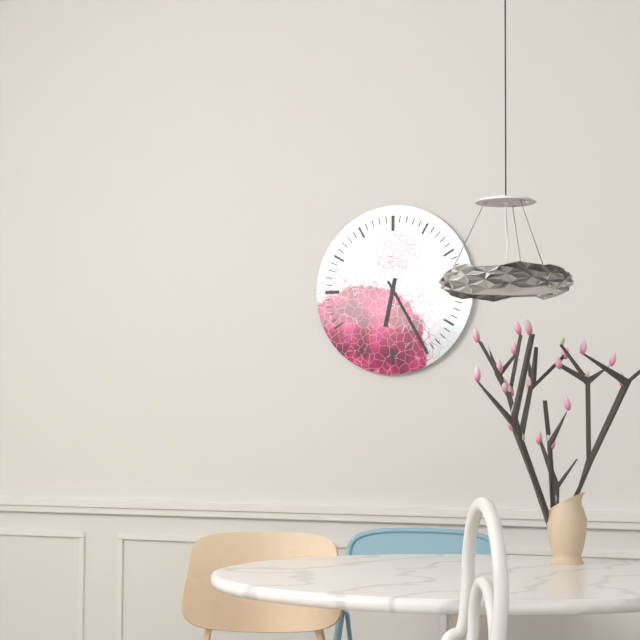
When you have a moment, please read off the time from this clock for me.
6:25
